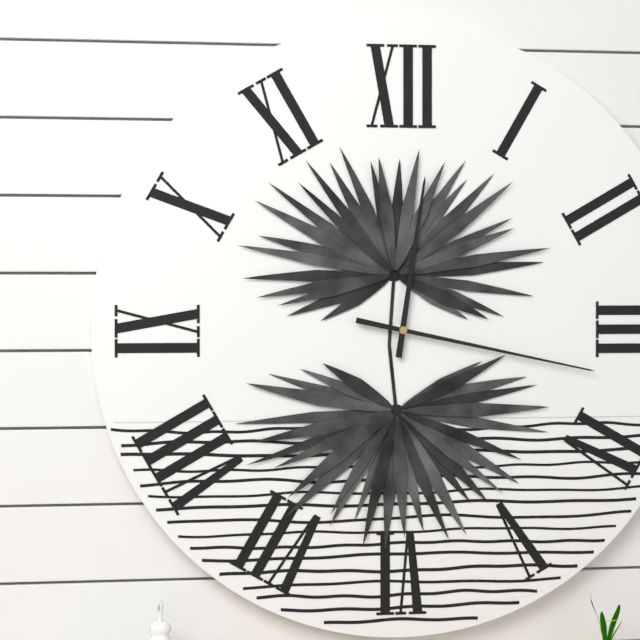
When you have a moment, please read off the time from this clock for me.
12:17
